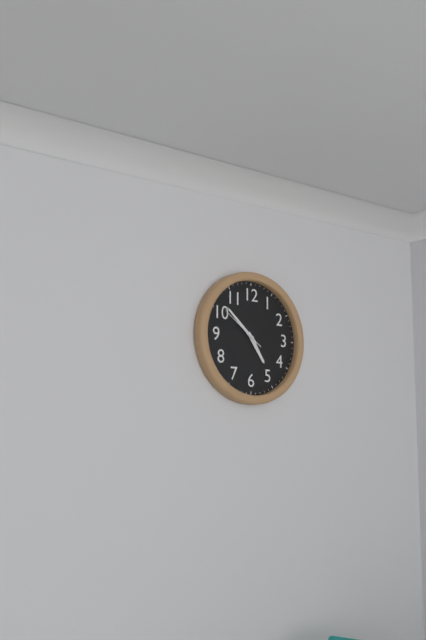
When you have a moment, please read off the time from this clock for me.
4:52
